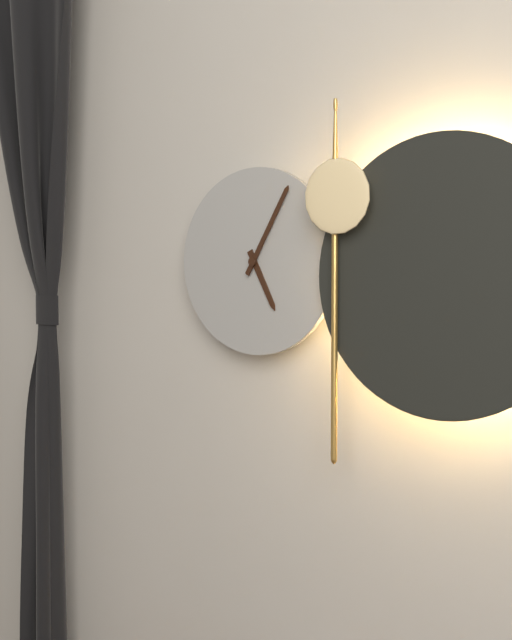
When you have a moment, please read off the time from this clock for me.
5:05
